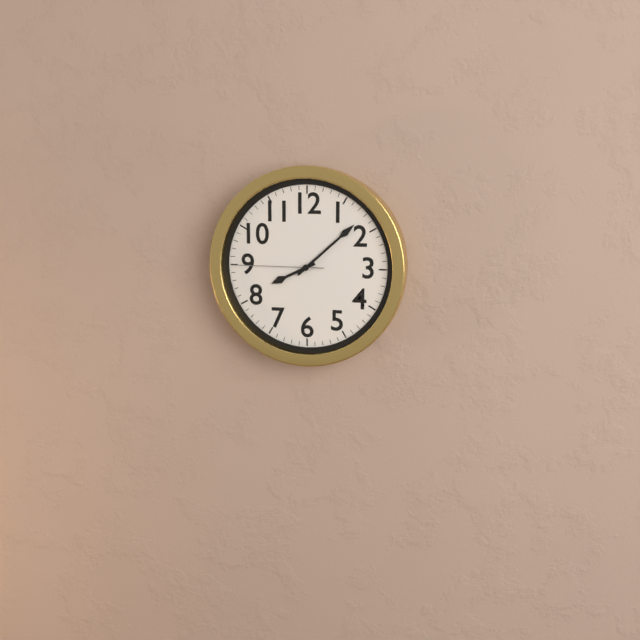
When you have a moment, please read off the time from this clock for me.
8:08:45
